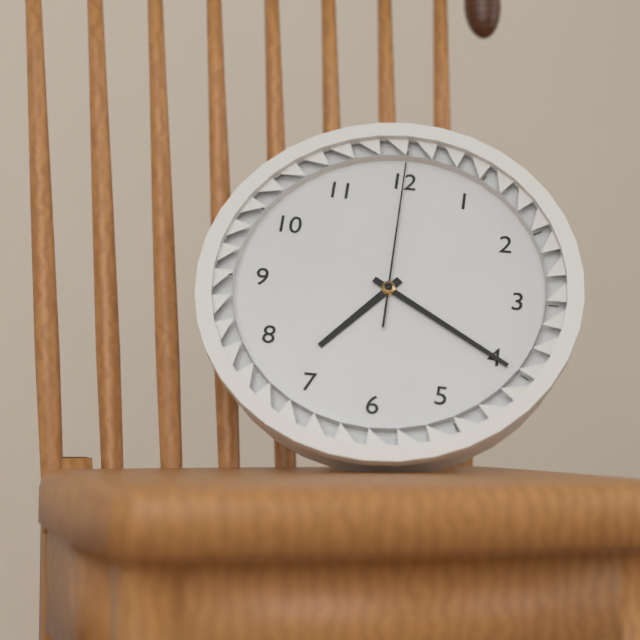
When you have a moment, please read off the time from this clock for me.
7:20:00
